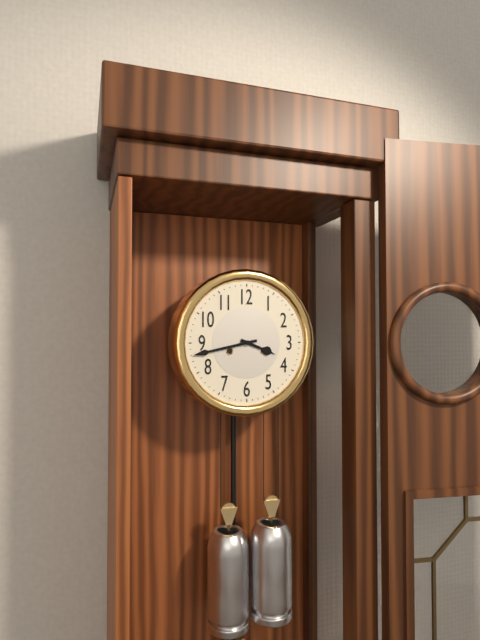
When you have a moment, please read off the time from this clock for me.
3:43
